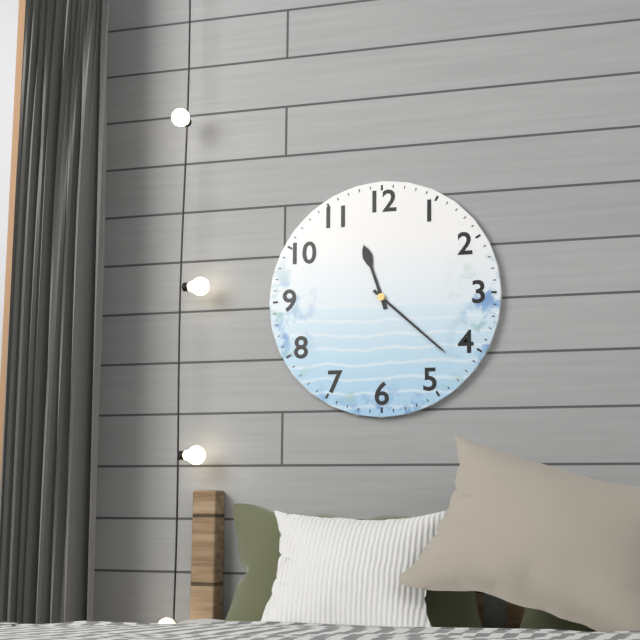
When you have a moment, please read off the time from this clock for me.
11:22
